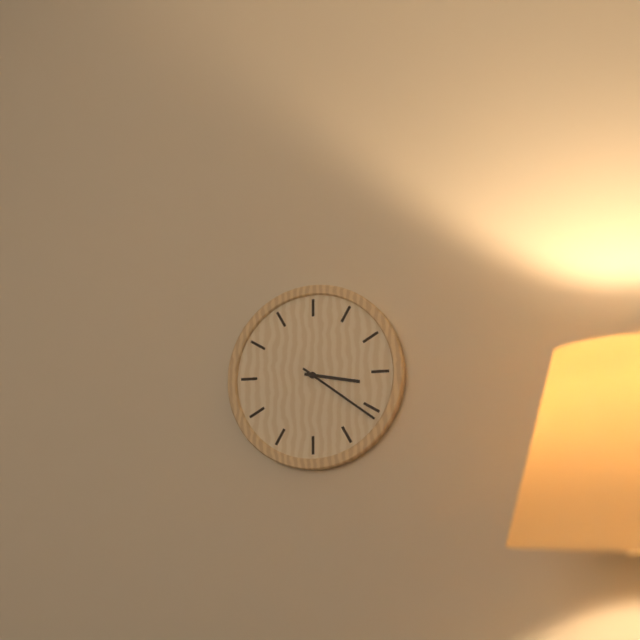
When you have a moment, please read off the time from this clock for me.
3:21
